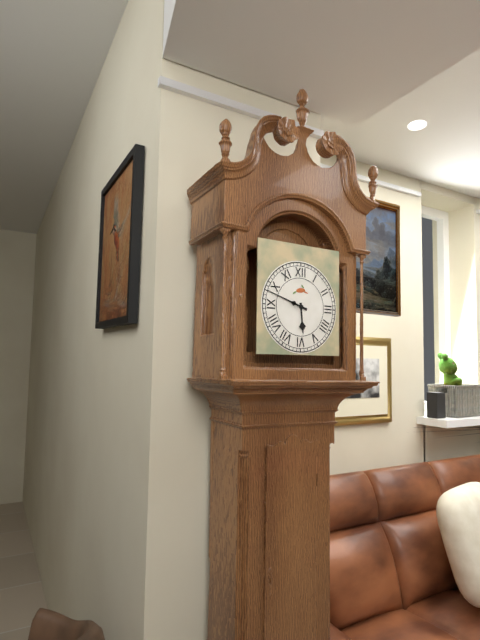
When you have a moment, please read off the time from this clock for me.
5:48
